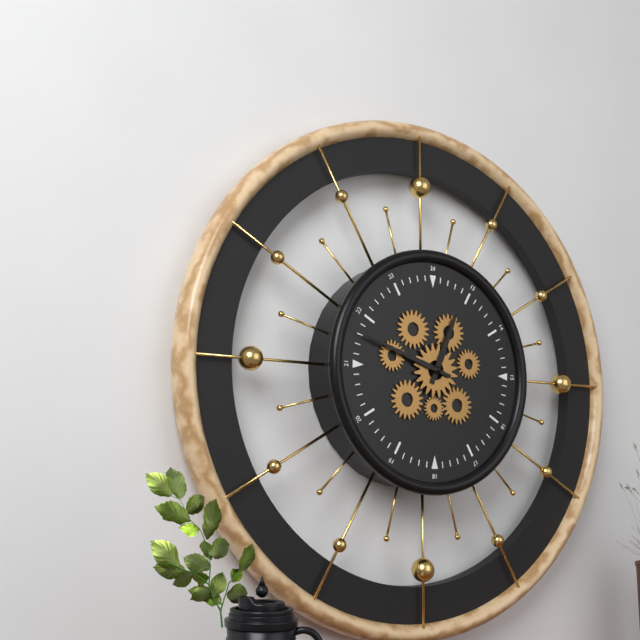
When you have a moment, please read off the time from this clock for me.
12:48
